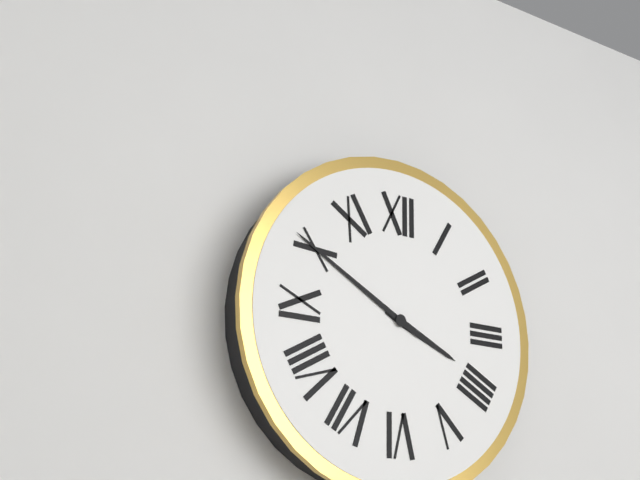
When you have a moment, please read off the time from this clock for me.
3:50
